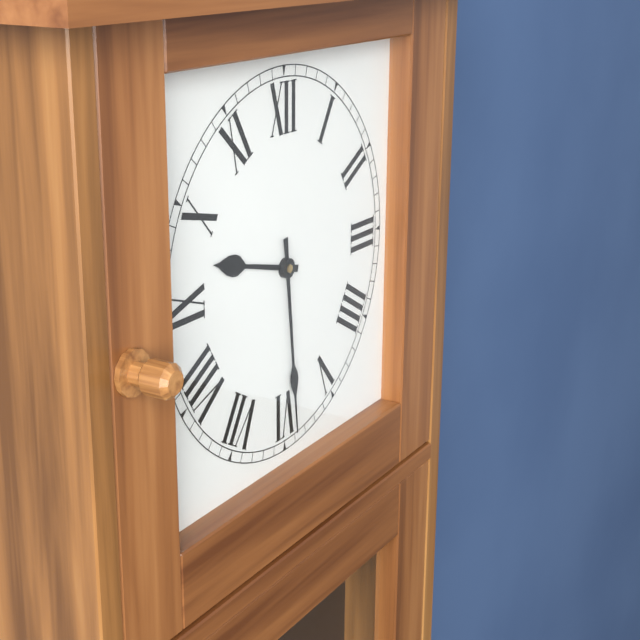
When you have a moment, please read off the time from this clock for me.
9:29
